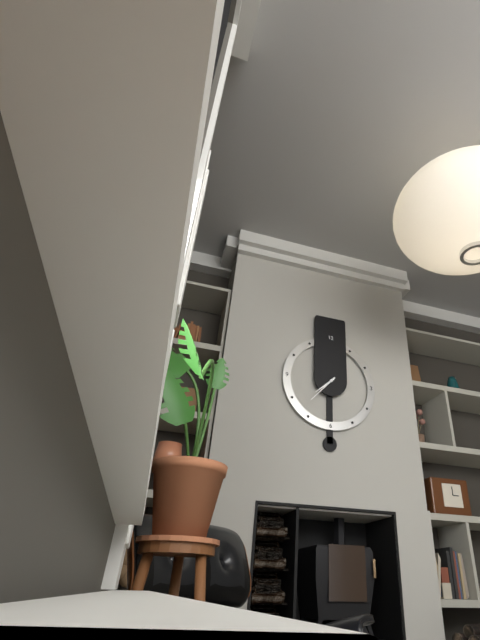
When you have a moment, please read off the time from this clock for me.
7:37
